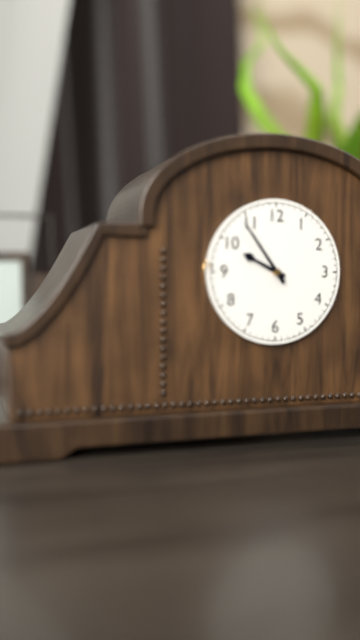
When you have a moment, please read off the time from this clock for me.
9:54
